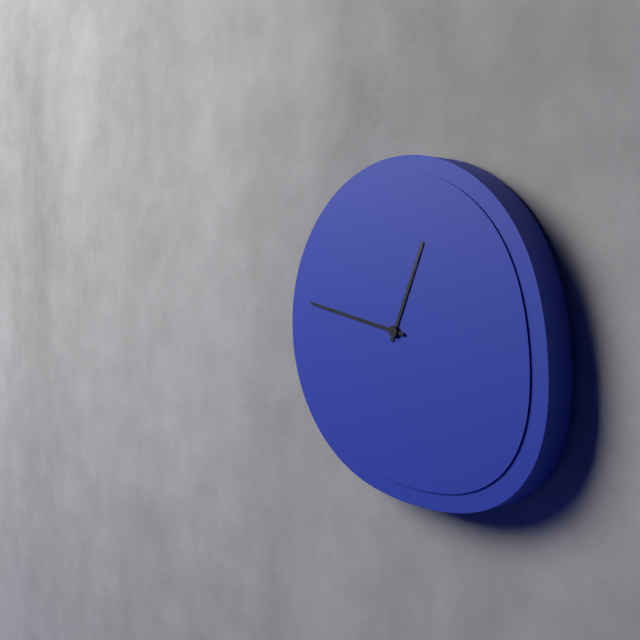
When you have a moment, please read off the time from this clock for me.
12:47
